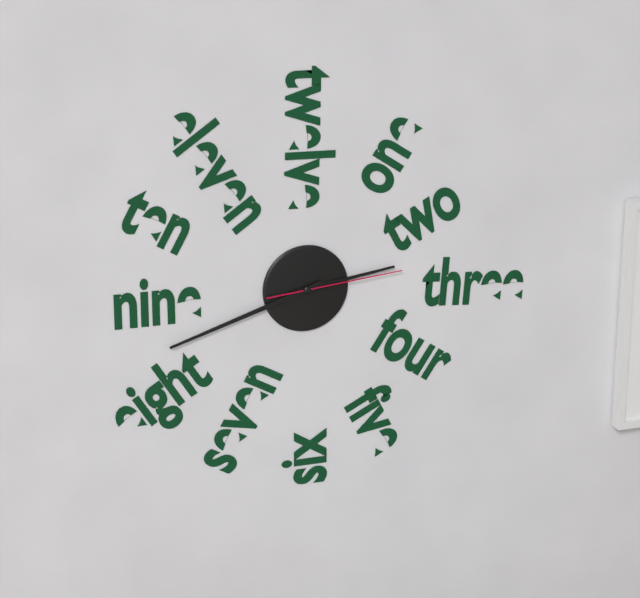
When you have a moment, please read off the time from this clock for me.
2:42:14
